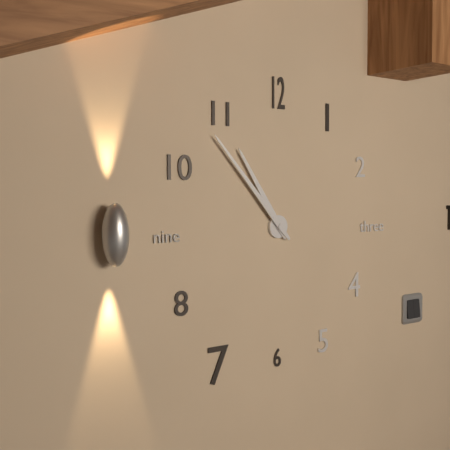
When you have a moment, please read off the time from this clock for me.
10:53
